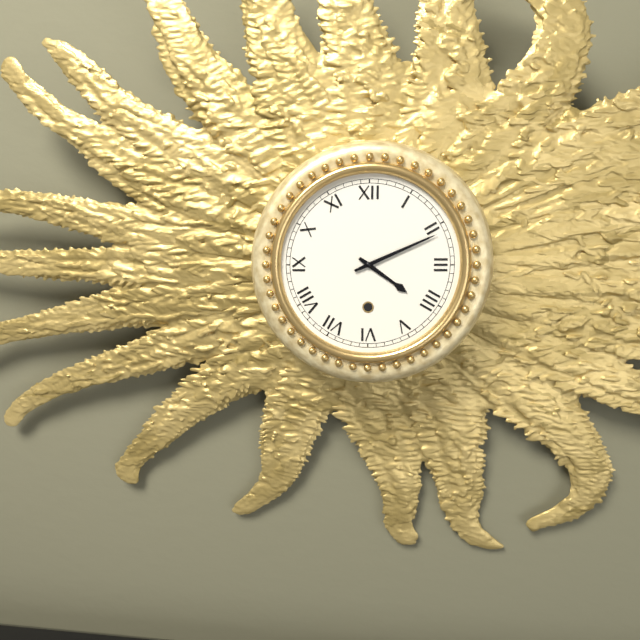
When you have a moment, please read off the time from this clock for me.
4:11
